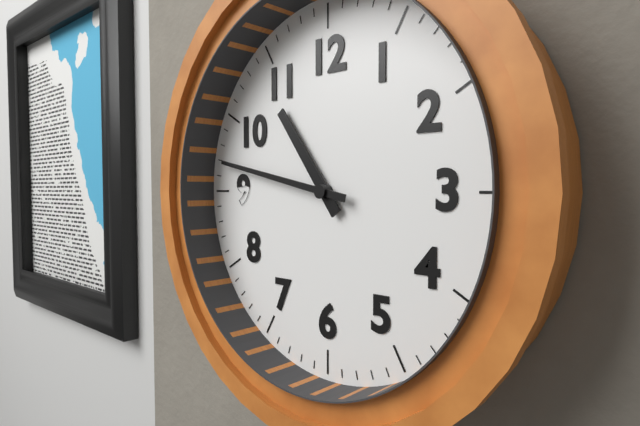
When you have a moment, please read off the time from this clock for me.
10:47
